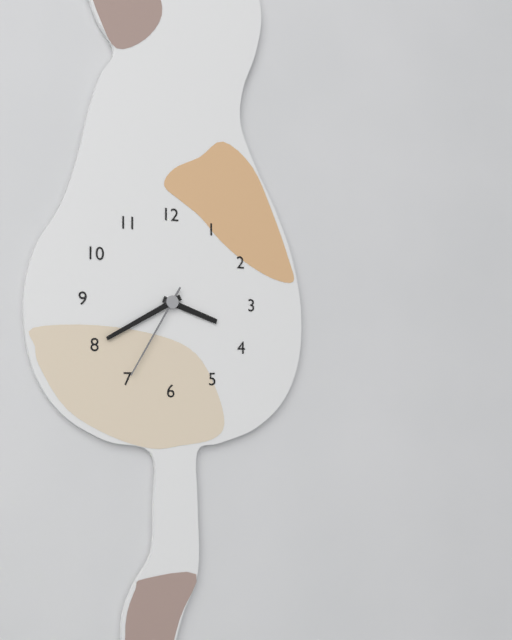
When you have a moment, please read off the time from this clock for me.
3:40:35
